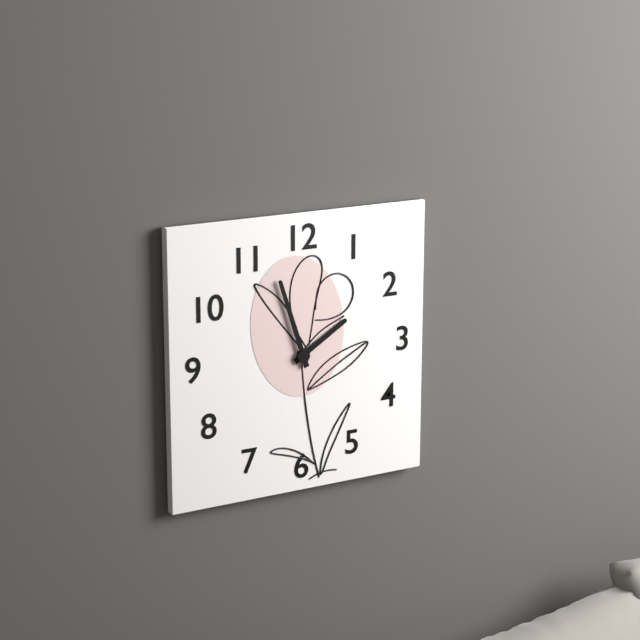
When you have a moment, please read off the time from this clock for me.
1:57
